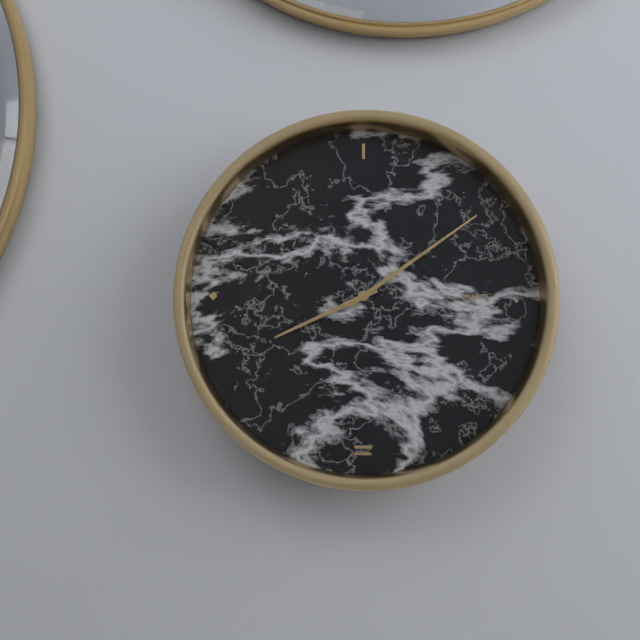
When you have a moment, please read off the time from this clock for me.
8:09
